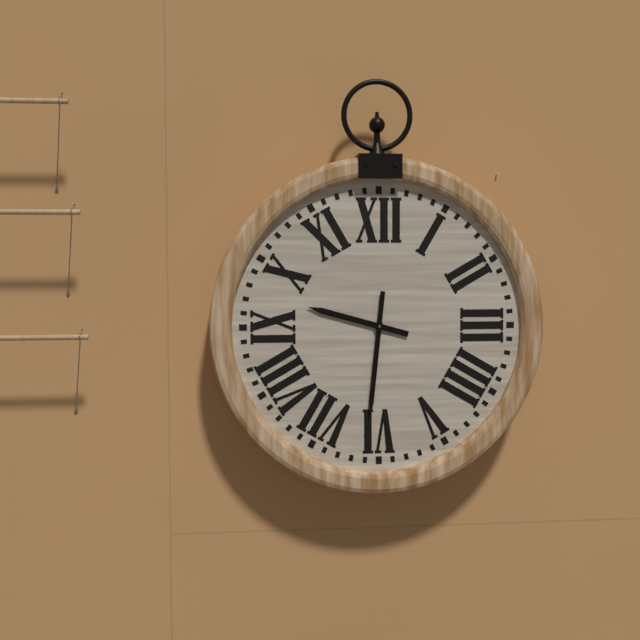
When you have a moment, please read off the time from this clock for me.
9:31
